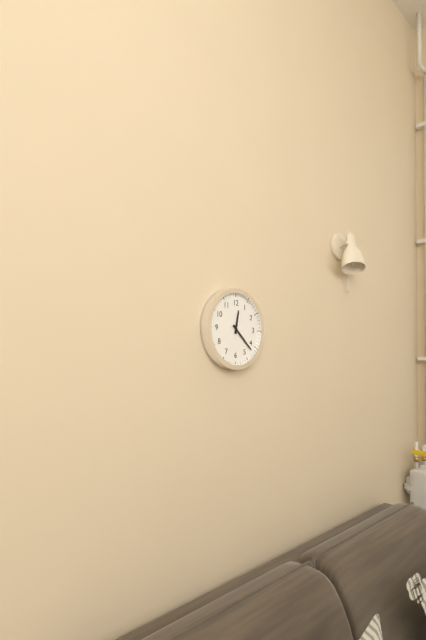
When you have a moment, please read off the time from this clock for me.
12:22
